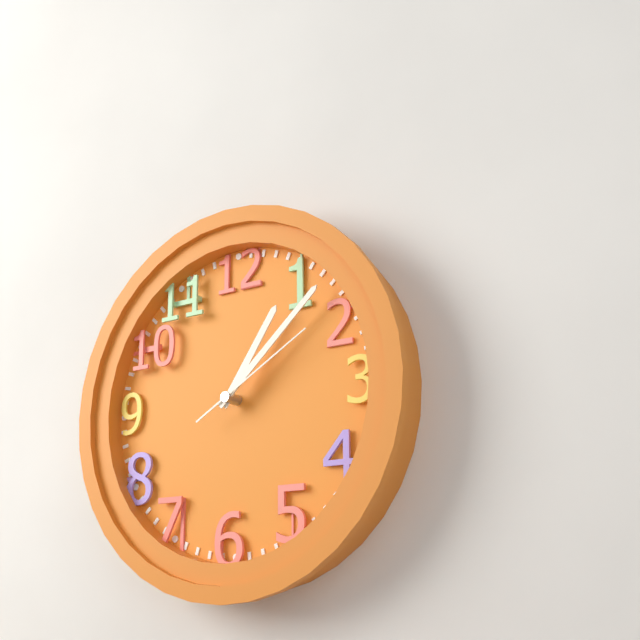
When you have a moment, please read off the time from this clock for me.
1:08:10
